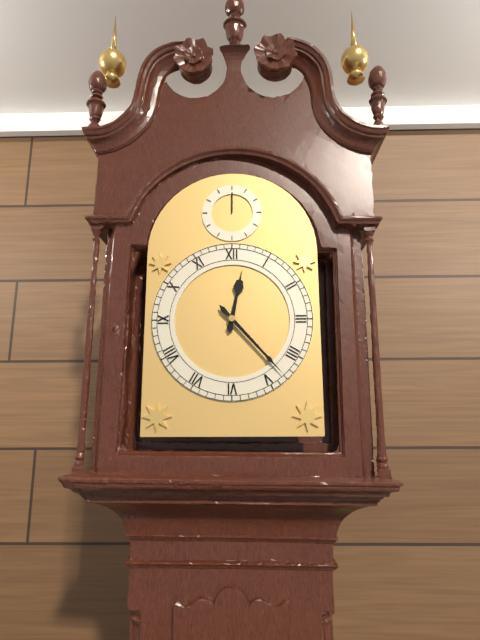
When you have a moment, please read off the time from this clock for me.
12:23
